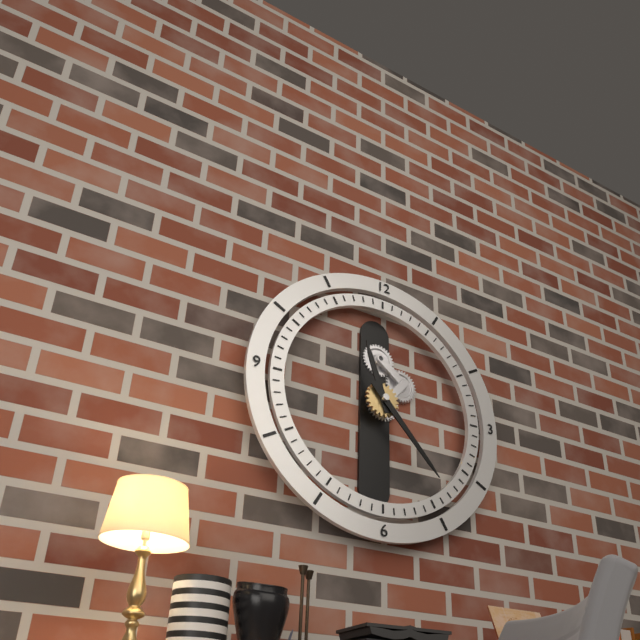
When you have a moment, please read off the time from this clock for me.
11:23
